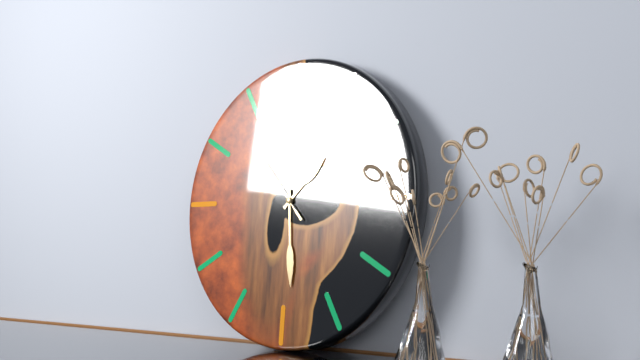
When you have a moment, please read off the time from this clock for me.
1:29:53
